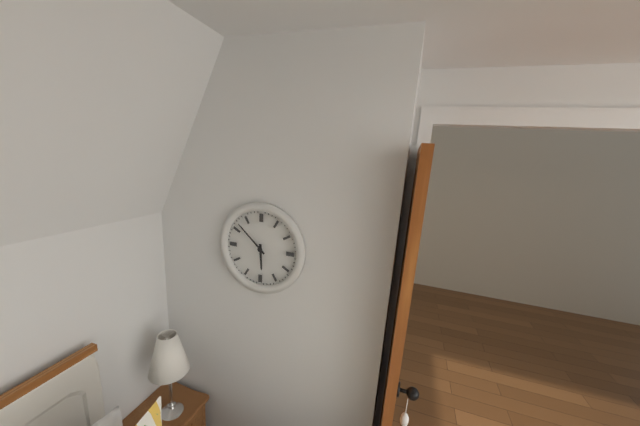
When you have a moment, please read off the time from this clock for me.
5:52
